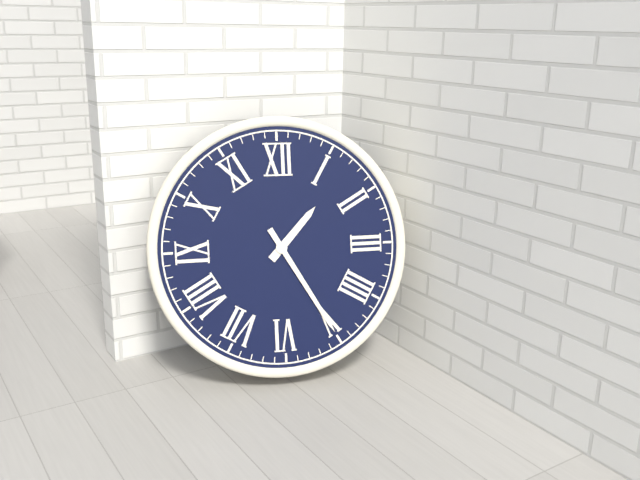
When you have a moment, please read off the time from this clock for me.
1:25
